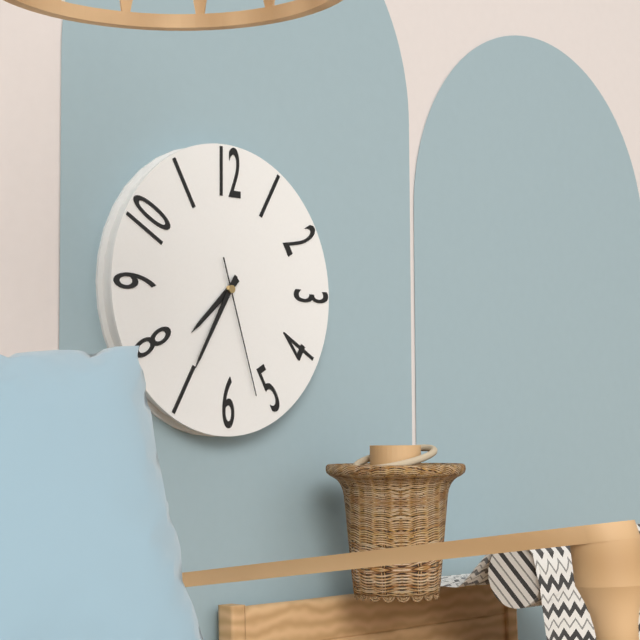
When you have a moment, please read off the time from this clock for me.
7:35:27
